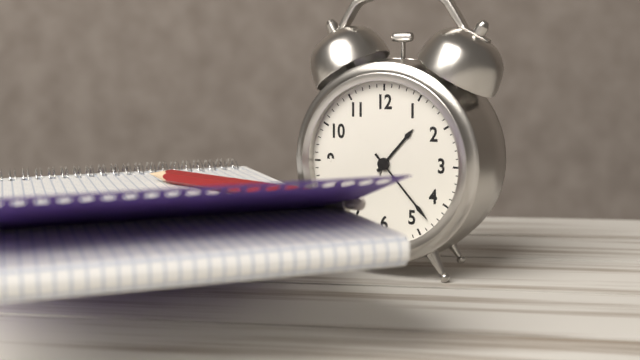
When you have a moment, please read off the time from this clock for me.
1:23
